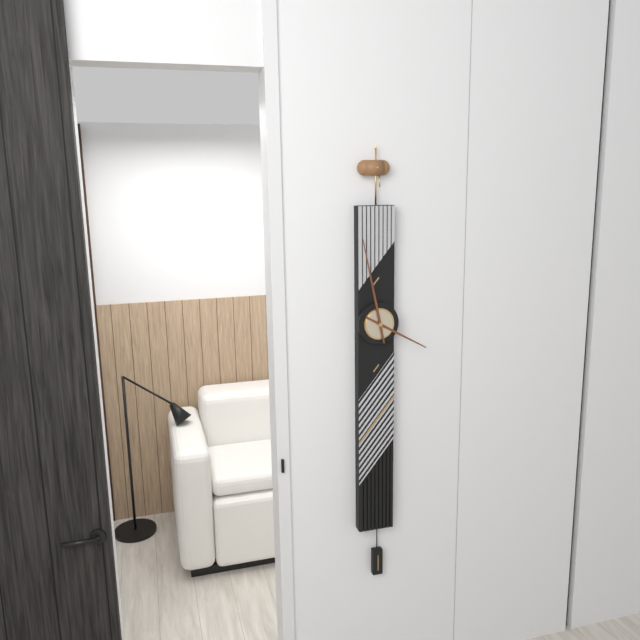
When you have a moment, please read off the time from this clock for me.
3:58
